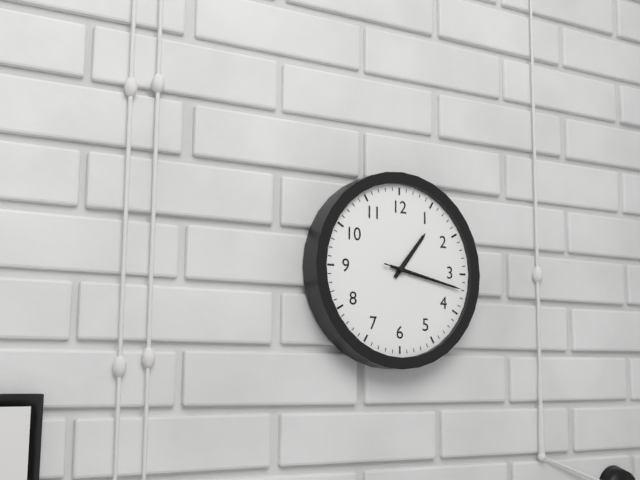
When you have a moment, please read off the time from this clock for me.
1:17:17
